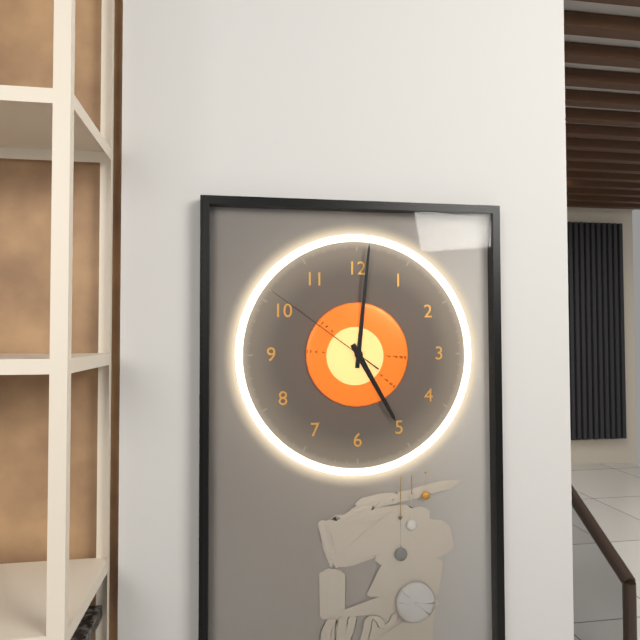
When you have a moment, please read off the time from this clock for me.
5:01:51
